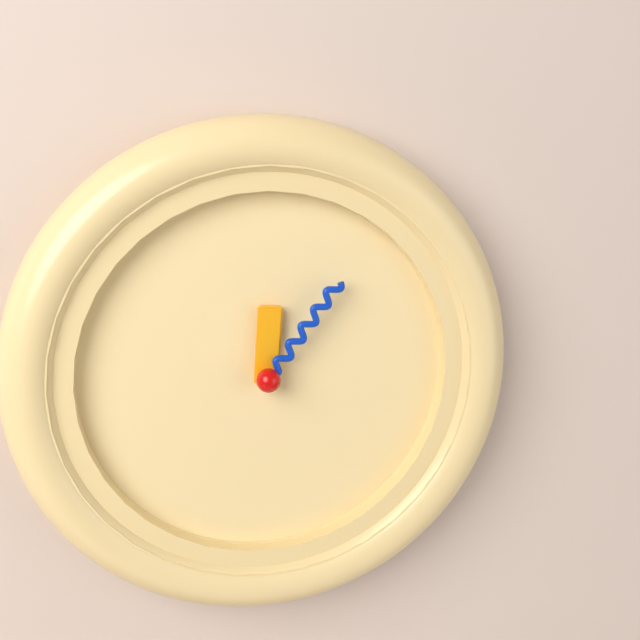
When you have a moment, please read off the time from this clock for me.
12:06
